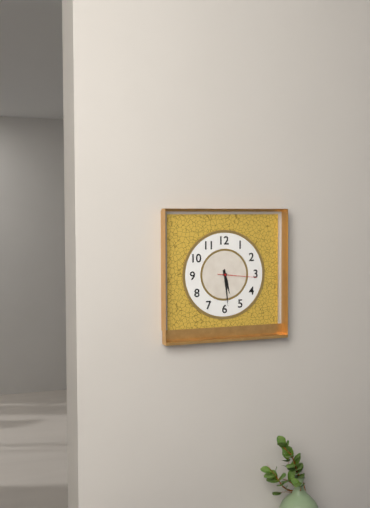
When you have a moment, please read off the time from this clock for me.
5:29
